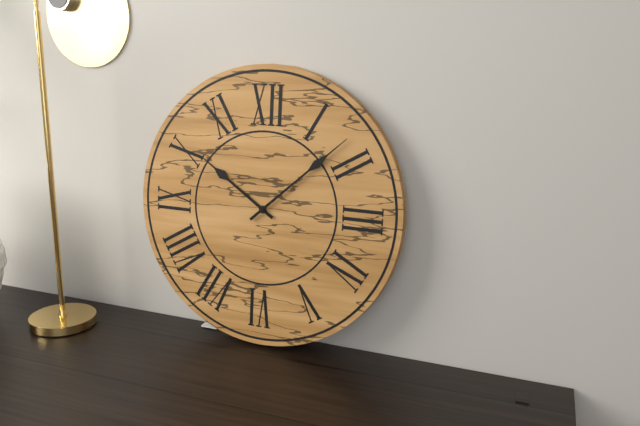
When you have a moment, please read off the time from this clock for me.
10:08
